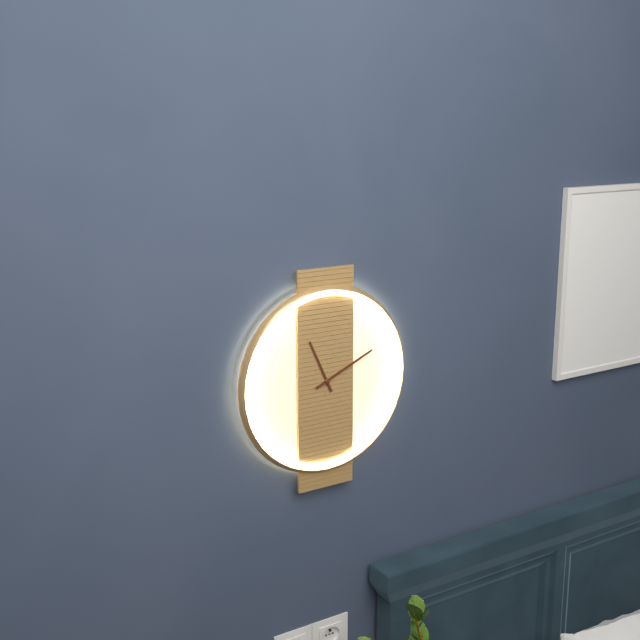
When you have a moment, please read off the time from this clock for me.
11:11
